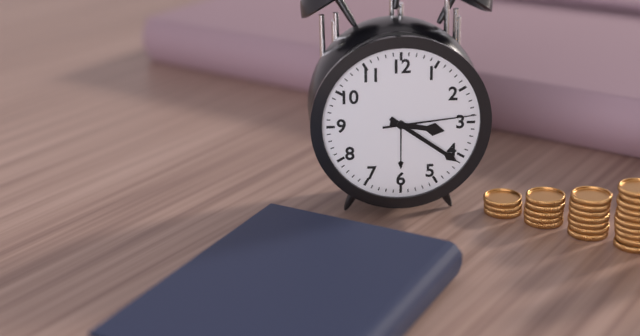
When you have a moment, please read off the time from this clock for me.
3:21:14
